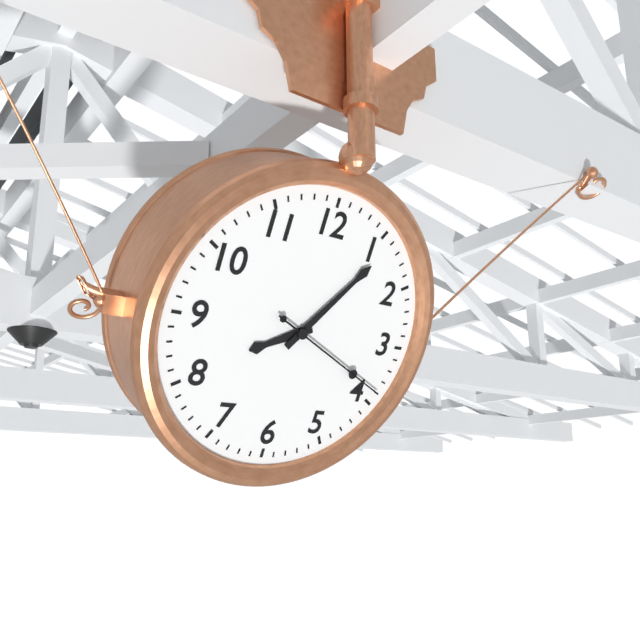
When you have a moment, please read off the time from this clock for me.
8:06:19
